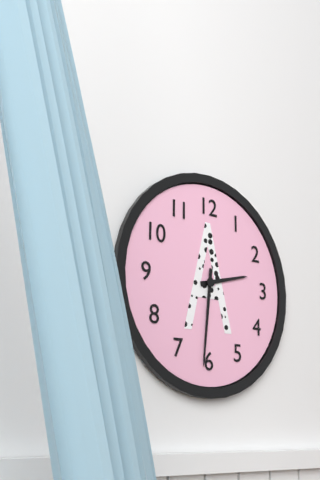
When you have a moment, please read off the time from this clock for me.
2:31
